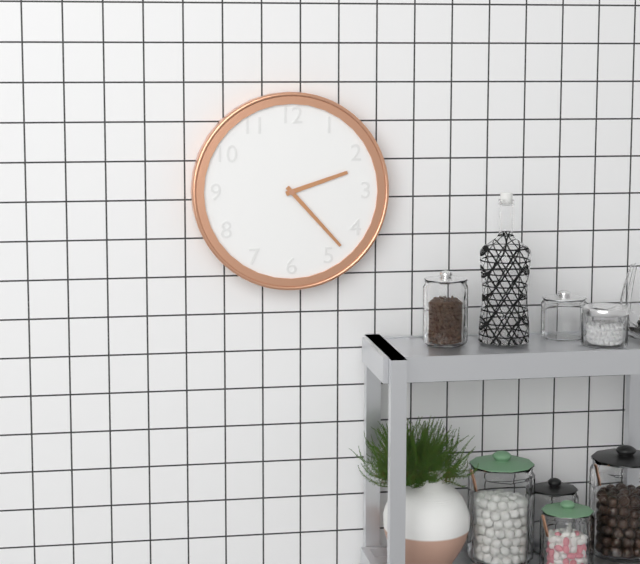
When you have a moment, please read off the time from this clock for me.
2:23
